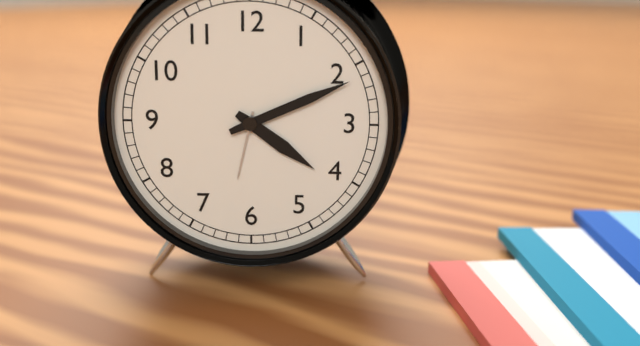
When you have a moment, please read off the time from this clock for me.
4:11
